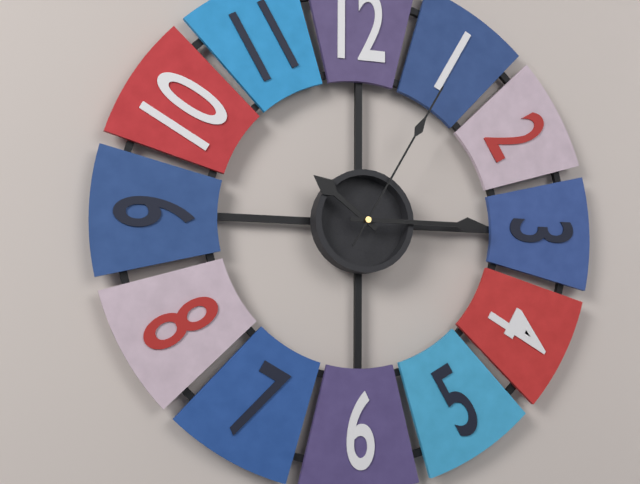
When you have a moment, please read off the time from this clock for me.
10:15:05
